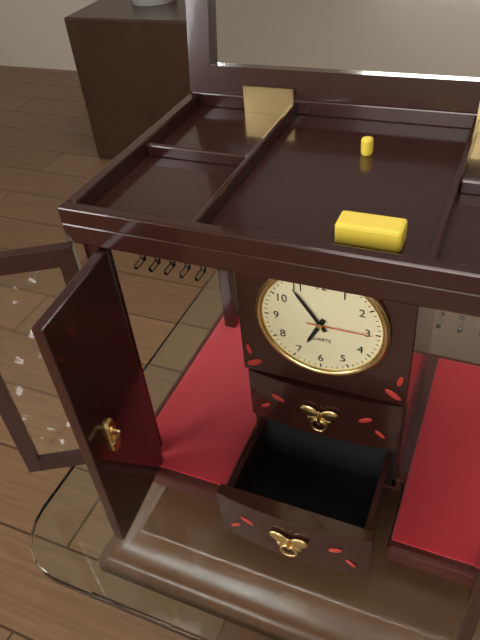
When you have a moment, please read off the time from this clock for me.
6:54:15
